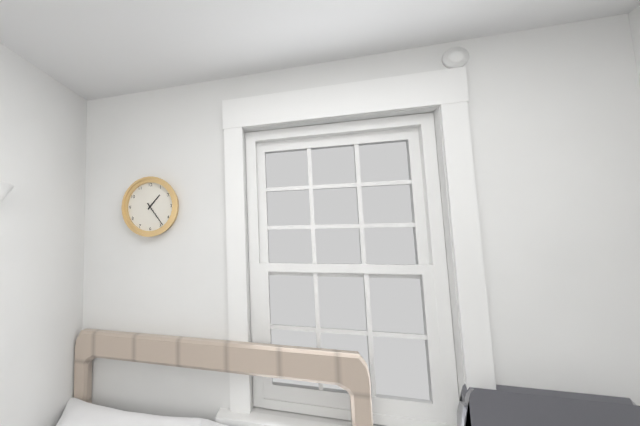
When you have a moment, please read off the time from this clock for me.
1:24
